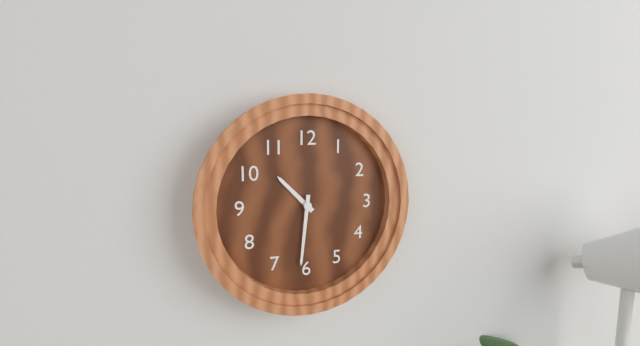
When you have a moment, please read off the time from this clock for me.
10:31
